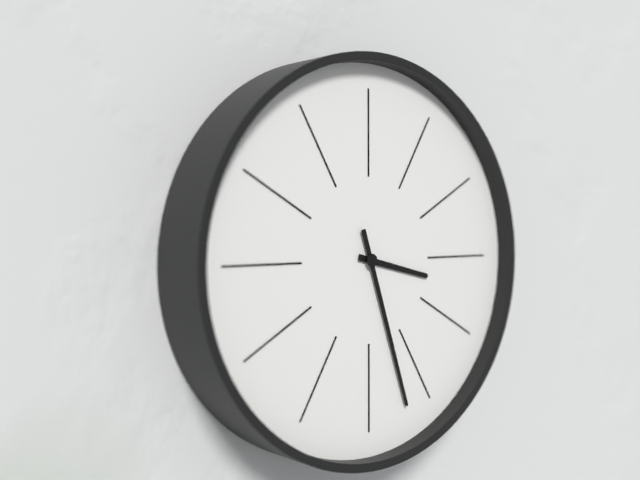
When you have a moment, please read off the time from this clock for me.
3:27
